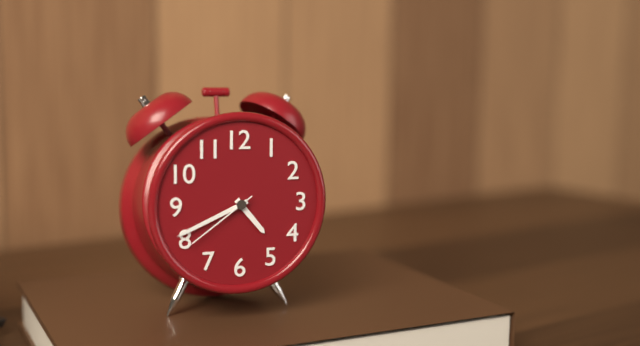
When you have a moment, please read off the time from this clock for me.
4:41:39
